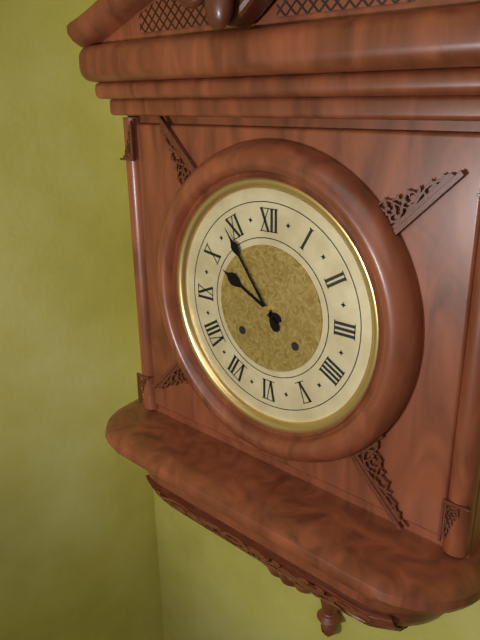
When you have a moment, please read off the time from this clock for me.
9:54
